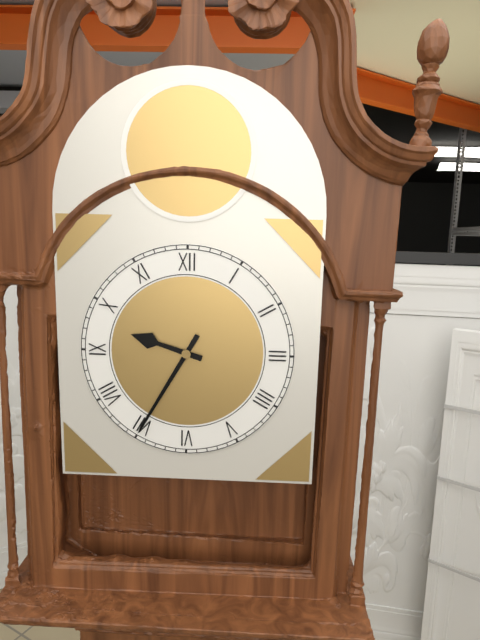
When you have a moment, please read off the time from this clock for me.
9:35
